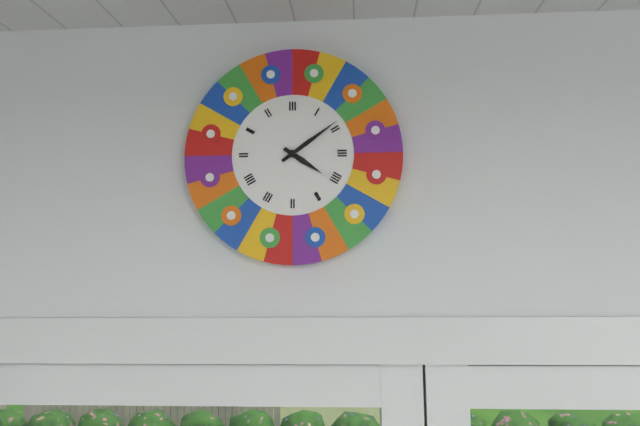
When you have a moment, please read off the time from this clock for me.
4:09
